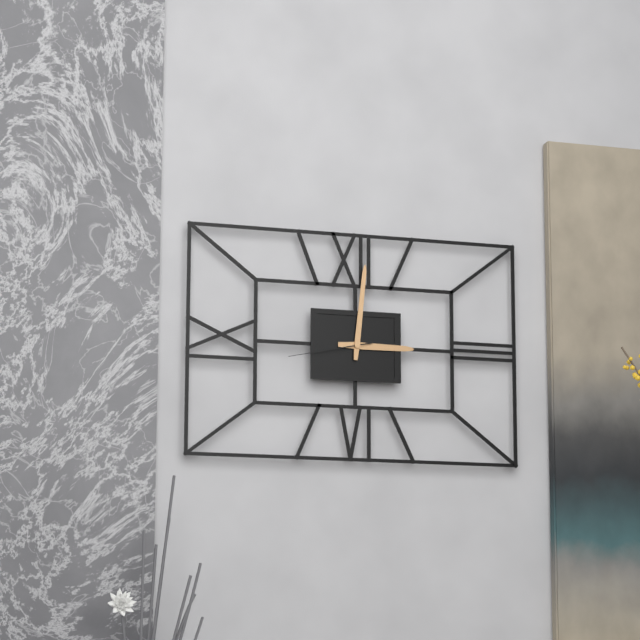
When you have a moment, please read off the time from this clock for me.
3:01:43
